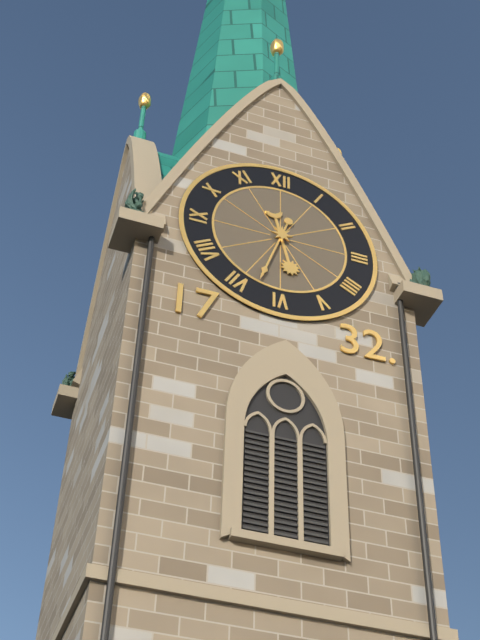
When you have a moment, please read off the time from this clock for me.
5:33
